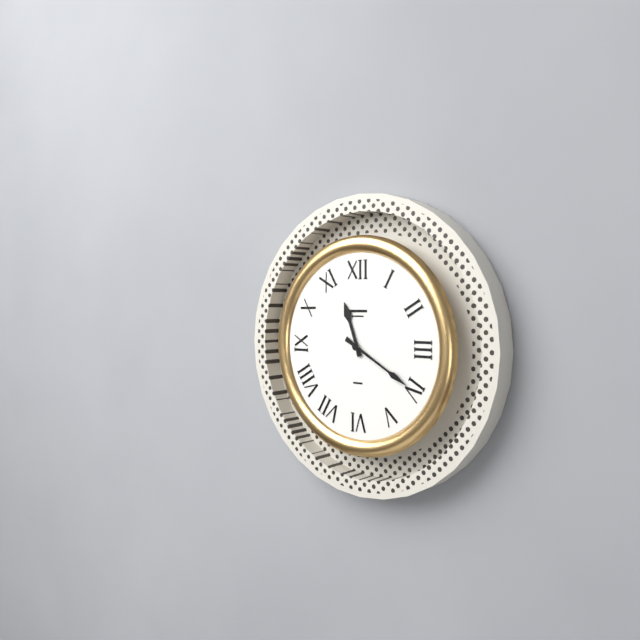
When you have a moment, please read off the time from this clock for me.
11:20
